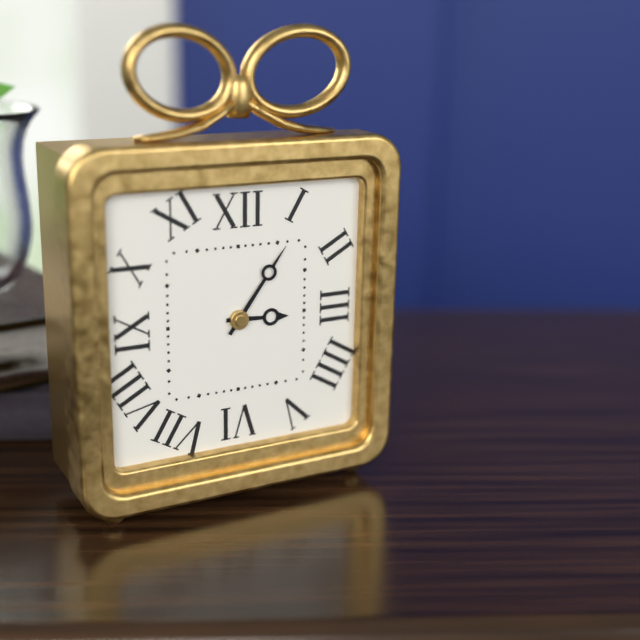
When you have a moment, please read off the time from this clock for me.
3:06
